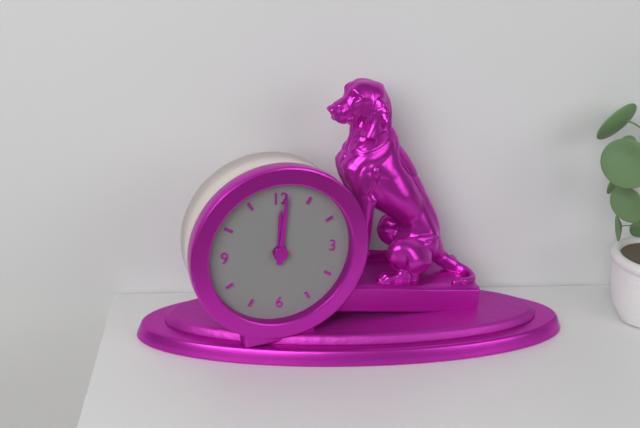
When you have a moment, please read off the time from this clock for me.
12:01
